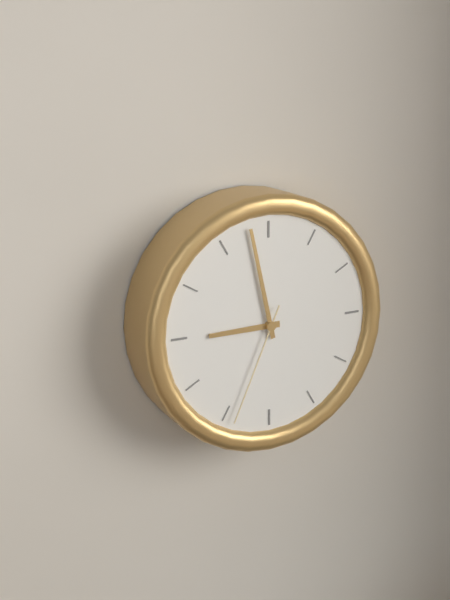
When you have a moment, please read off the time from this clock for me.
8:58:34
